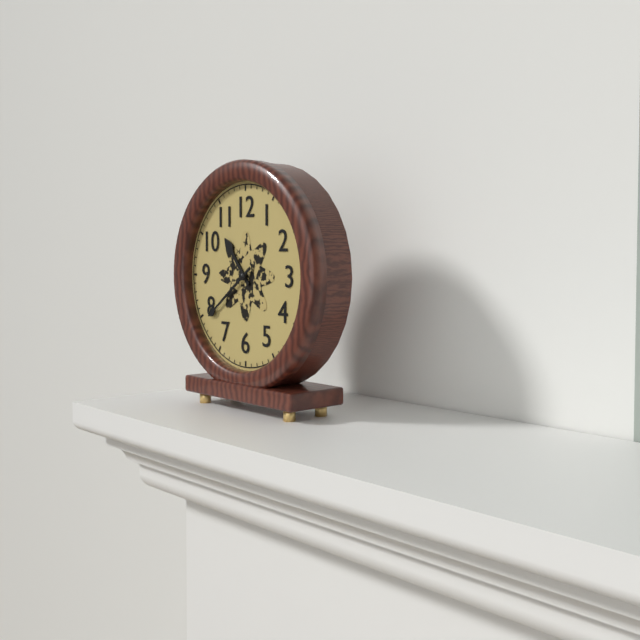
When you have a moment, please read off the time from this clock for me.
10:39
